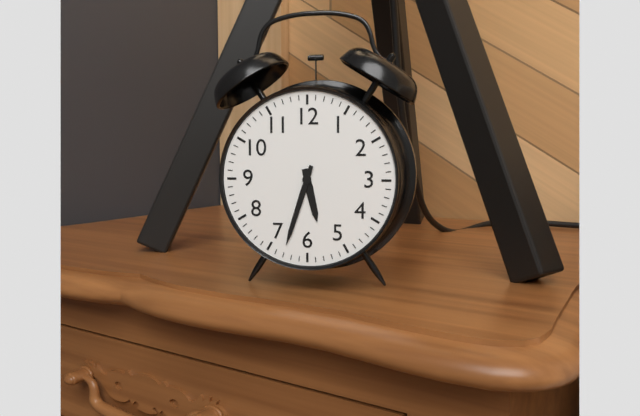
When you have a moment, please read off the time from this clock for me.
5:33
